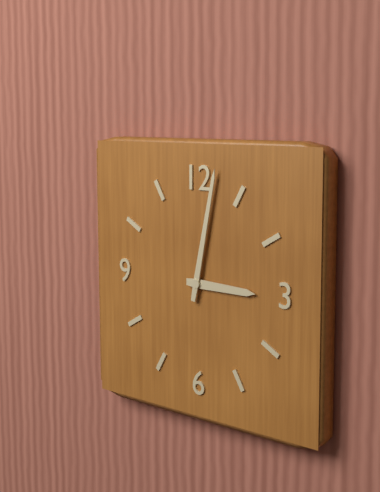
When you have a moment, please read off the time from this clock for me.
3:02
